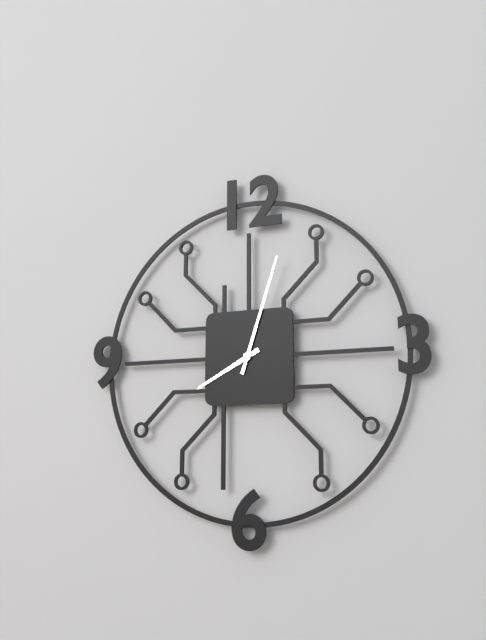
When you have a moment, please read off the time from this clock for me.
8:03
